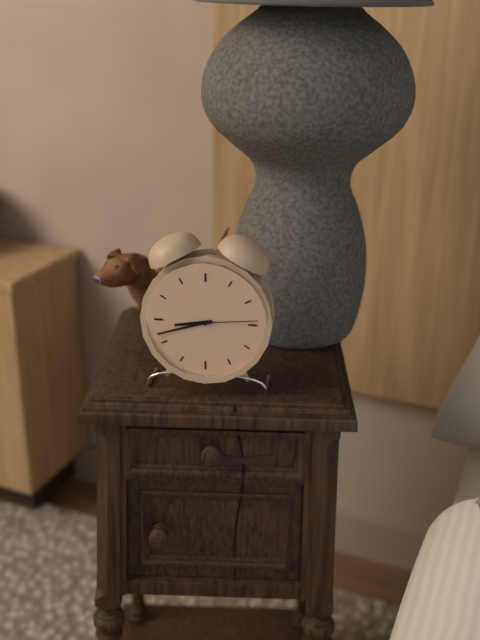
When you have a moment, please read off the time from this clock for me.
8:42:14
